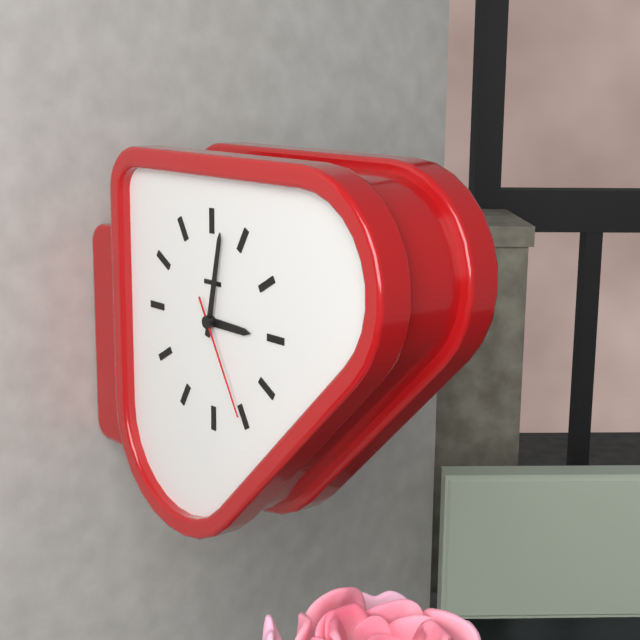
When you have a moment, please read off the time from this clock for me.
3:02:25
